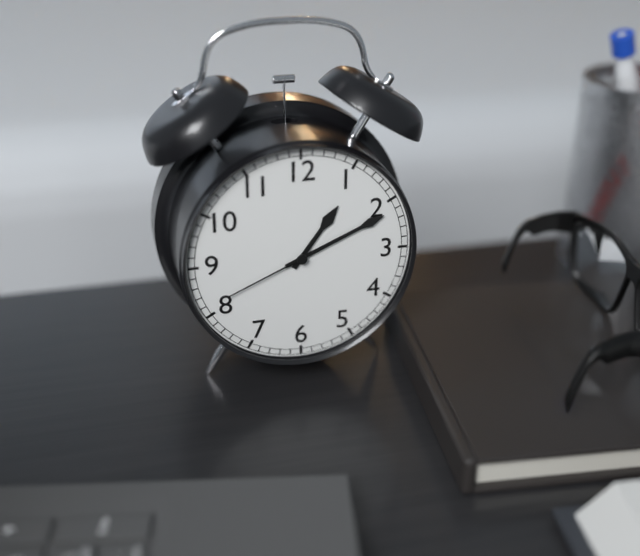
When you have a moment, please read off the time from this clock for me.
1:11:41
